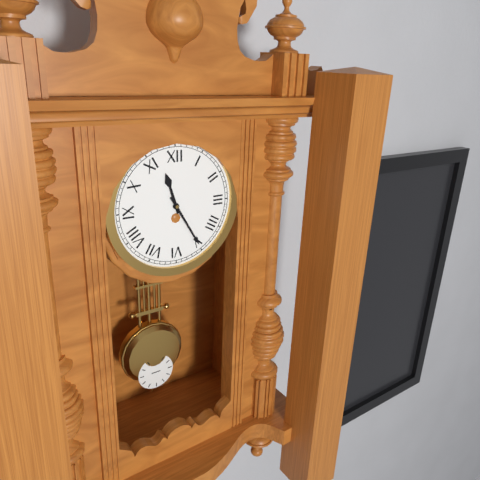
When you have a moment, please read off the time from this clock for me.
11:25
